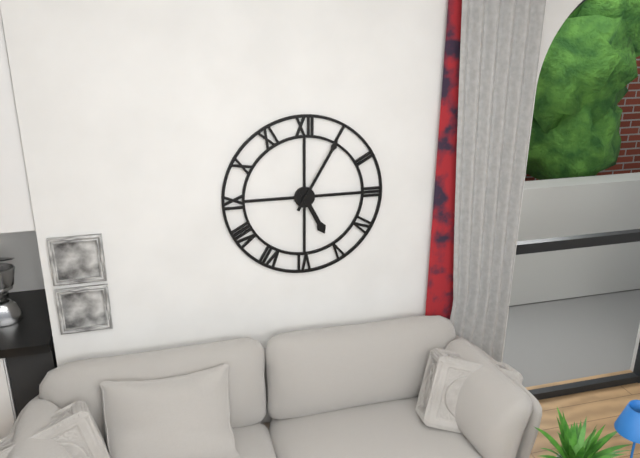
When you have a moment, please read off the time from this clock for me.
5:05
